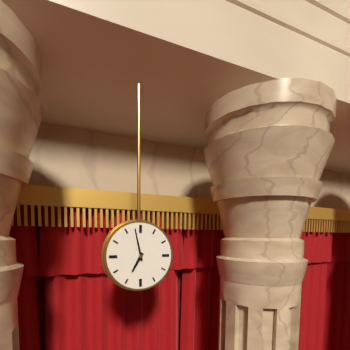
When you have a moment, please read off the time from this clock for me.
6:58
